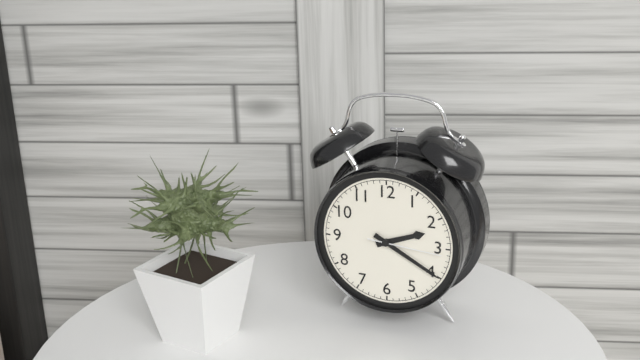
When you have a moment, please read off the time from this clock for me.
2:20:16
